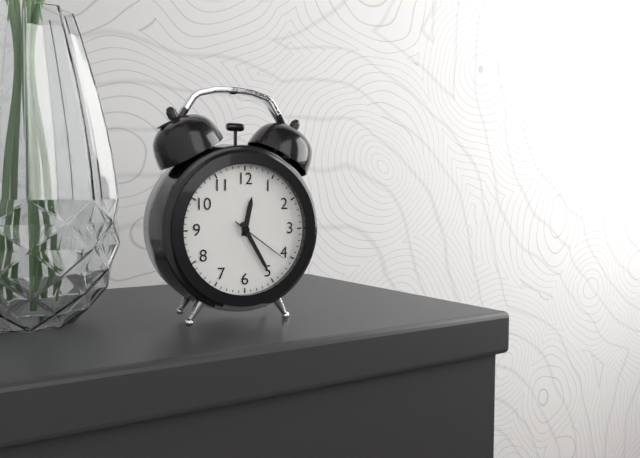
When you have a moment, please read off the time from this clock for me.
12:25:21
